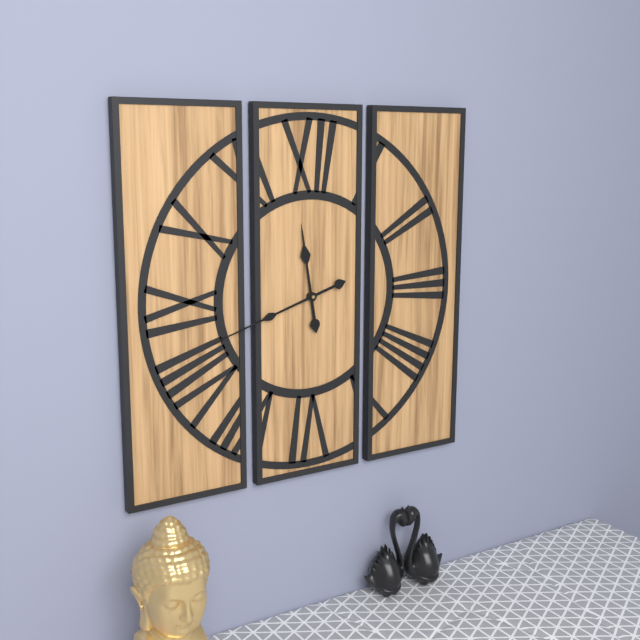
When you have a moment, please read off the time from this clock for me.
11:42
